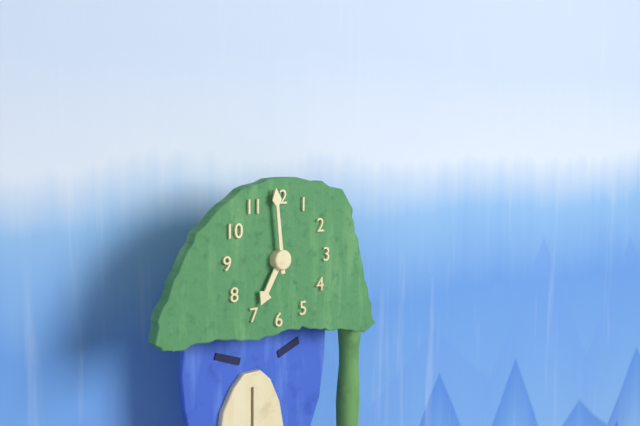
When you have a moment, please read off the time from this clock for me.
6:59
